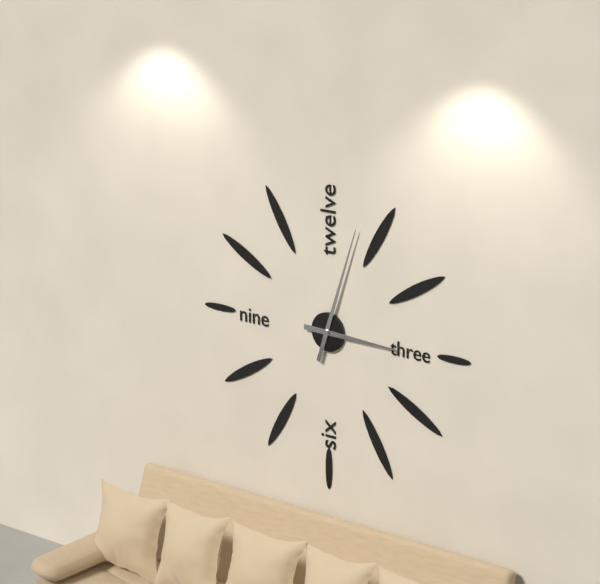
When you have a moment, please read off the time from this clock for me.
3:03
